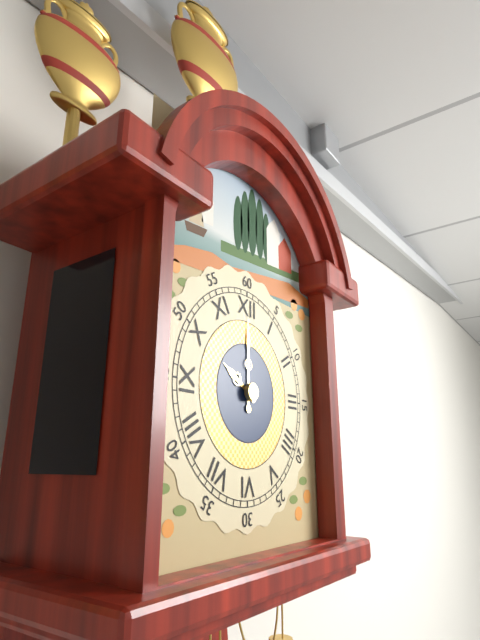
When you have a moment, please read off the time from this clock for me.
10:00
